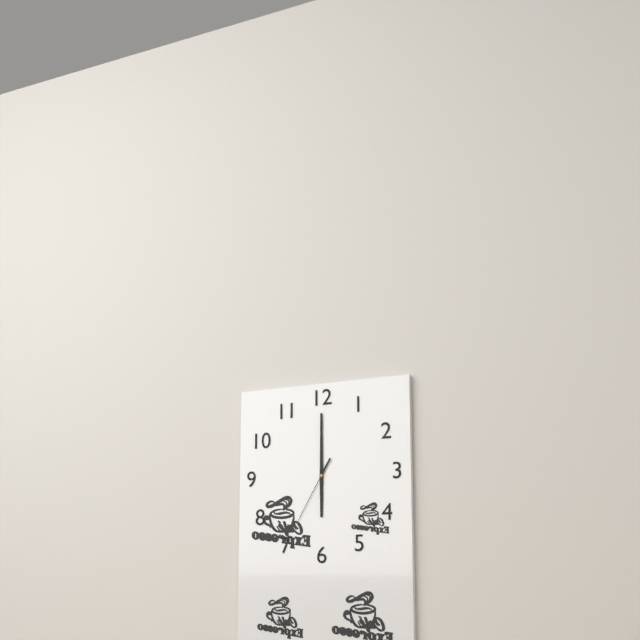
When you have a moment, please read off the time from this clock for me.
6:00:35
